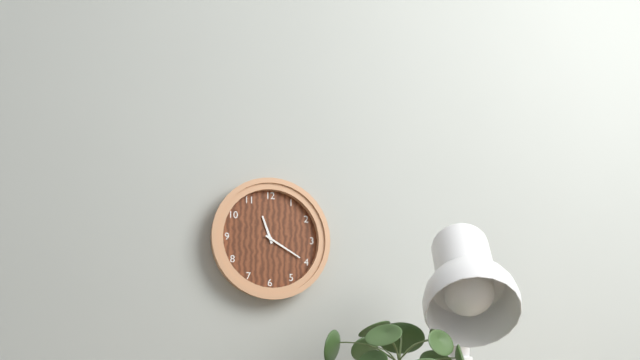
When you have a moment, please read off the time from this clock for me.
11:20
